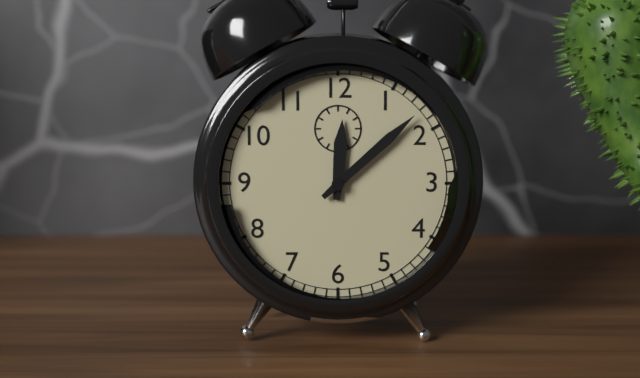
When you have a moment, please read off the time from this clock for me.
12:08
